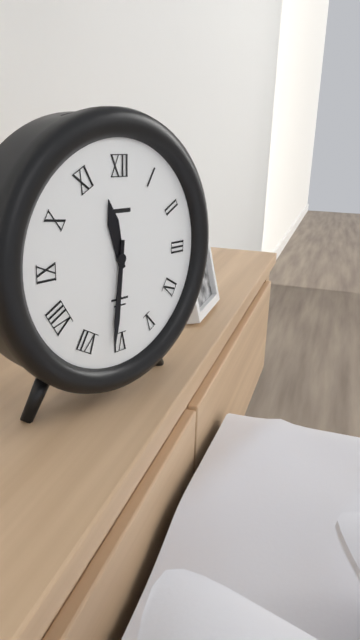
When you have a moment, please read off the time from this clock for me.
11:31
